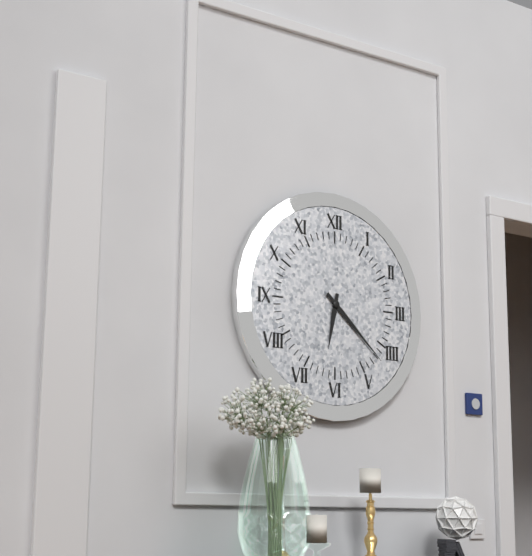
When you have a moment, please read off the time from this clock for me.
6:22
